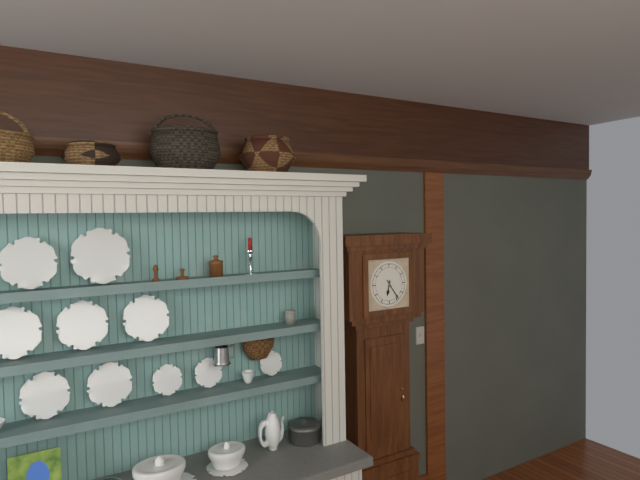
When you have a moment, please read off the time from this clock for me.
6:24
